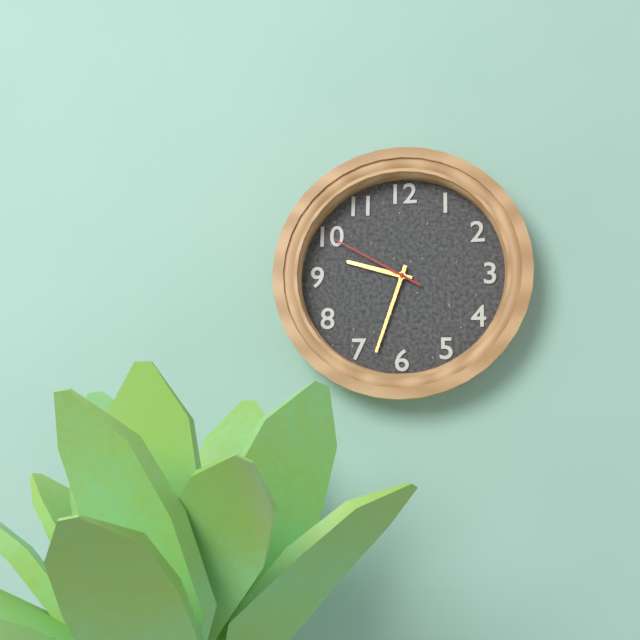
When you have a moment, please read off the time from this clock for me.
9:33:50
